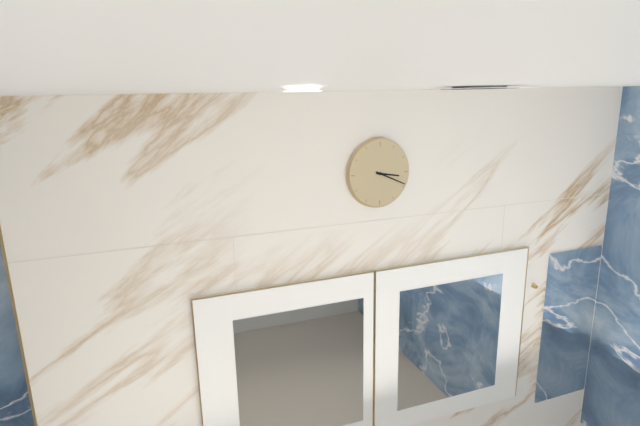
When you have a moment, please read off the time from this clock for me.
3:19
